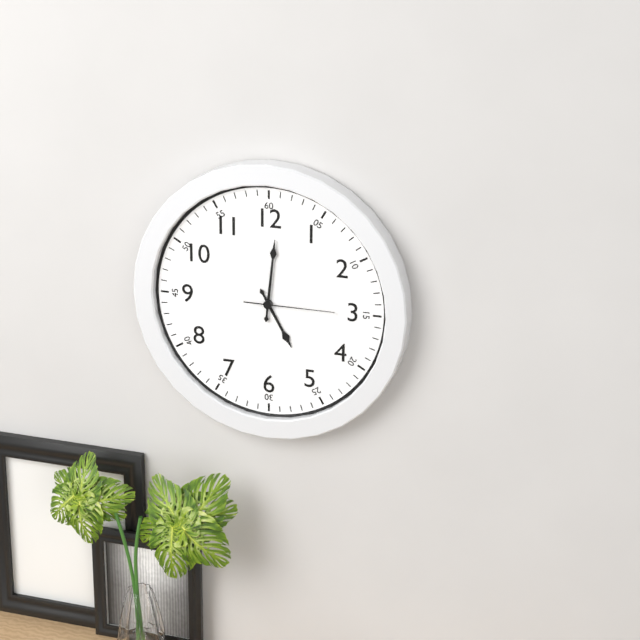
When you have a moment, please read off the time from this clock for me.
5:01:15
